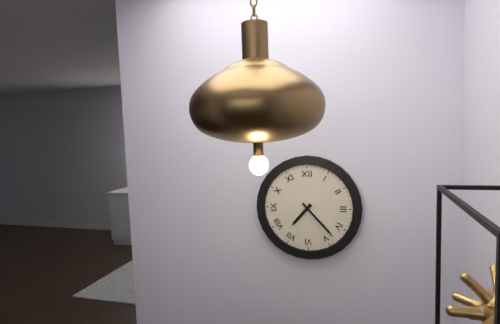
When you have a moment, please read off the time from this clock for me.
7:23
